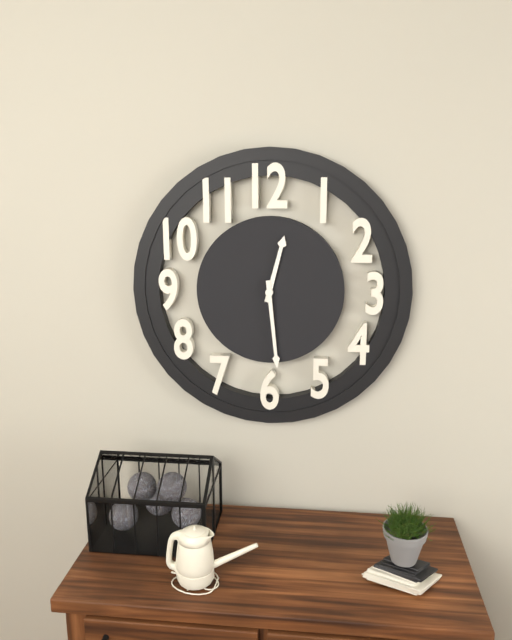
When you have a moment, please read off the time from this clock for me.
12:29
